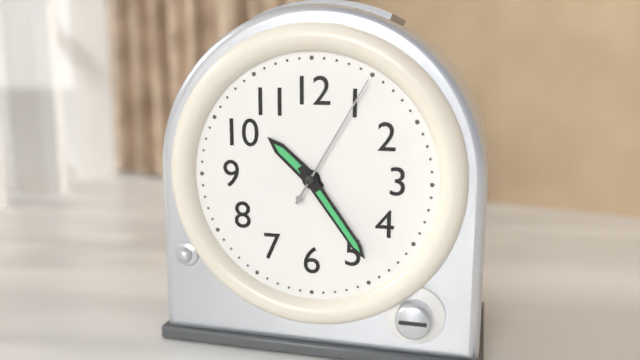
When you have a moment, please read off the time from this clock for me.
10:24:05
